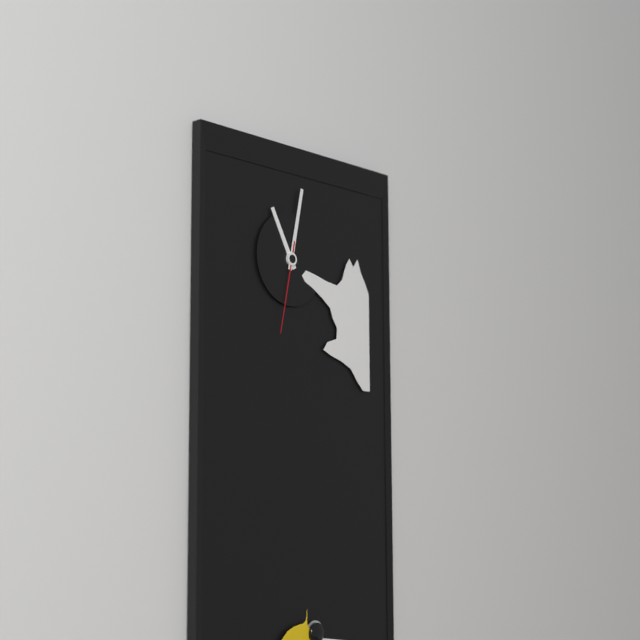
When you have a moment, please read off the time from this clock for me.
11:02:32
